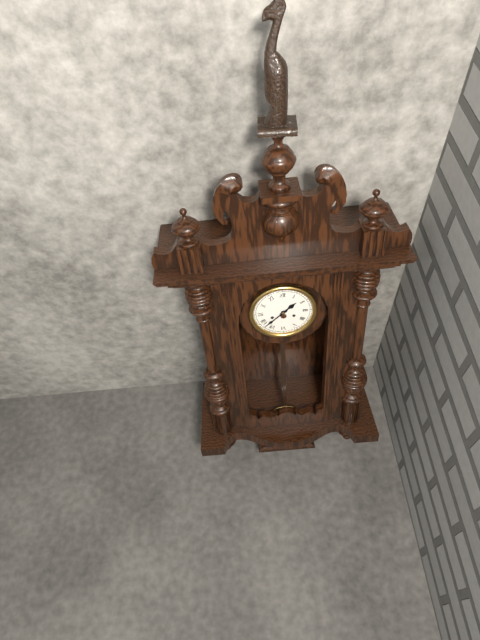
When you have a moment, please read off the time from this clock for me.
1:38
